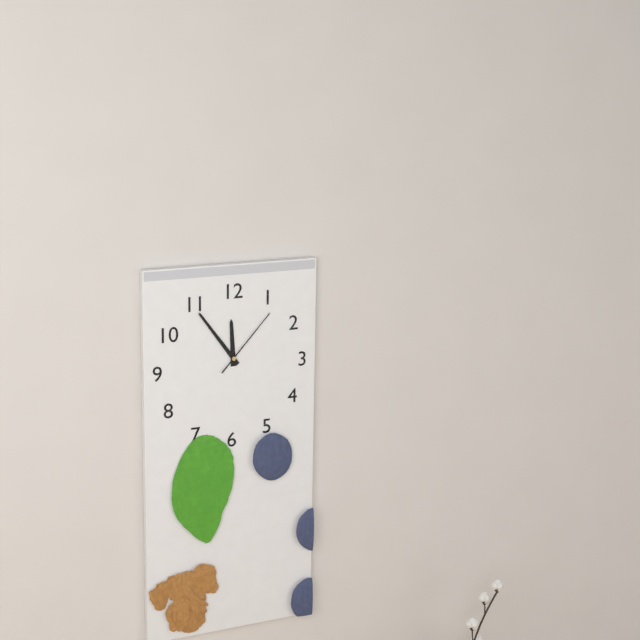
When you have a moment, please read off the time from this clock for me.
11:54:07
